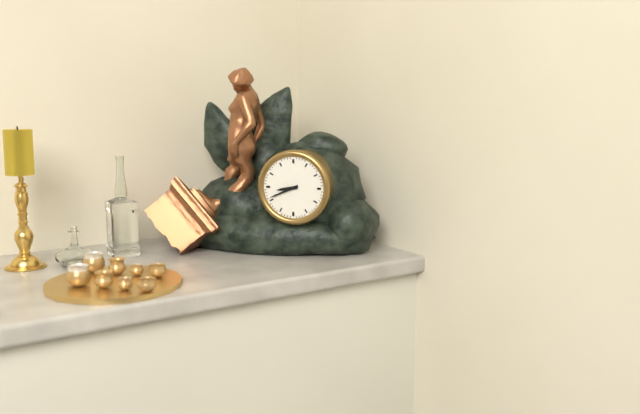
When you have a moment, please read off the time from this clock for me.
8:41
